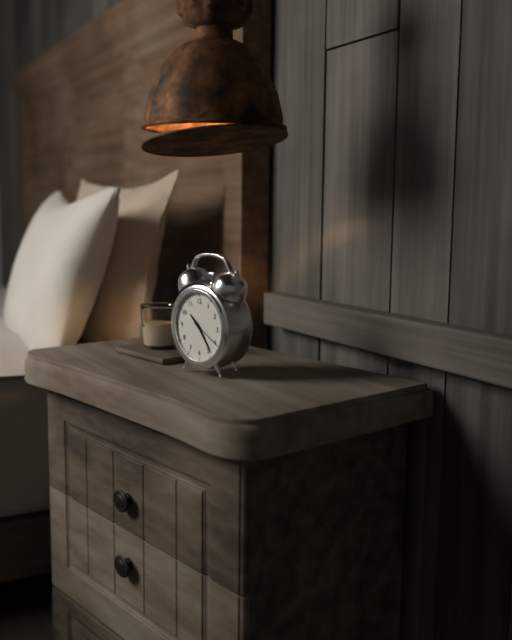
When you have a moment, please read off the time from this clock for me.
10:24
